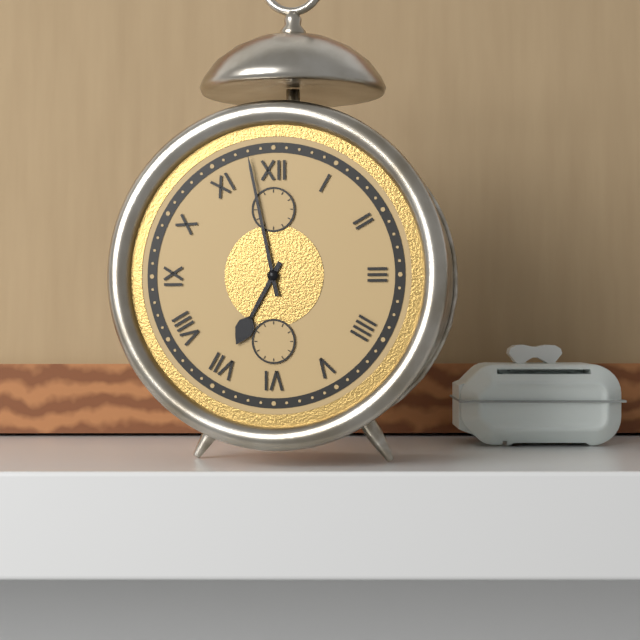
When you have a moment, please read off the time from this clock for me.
6:58
